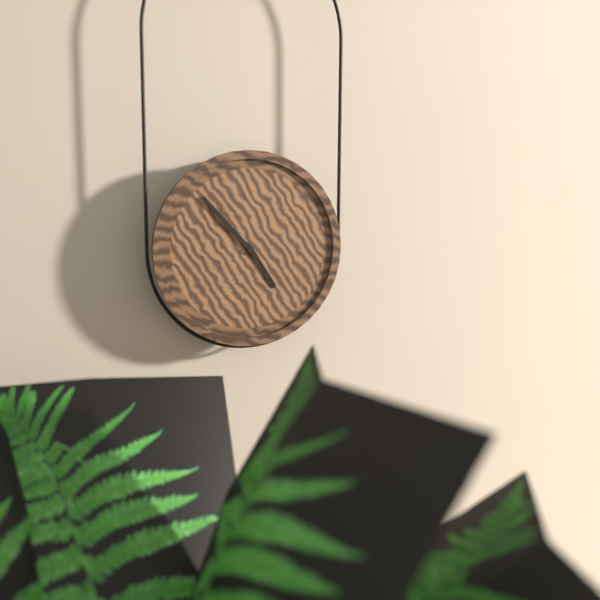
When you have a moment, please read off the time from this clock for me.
4:53
